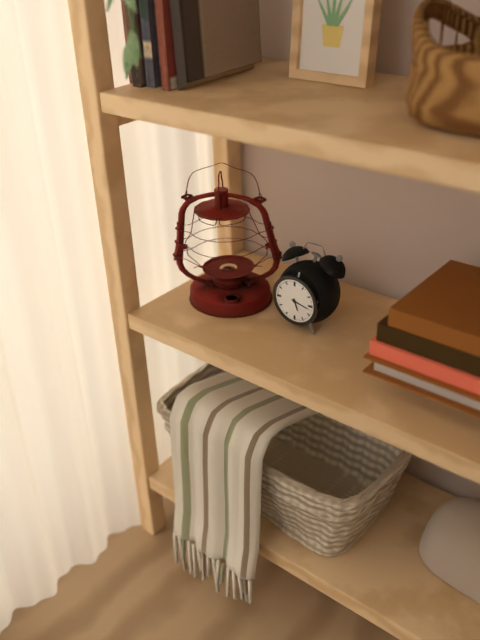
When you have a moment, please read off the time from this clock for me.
5:17
